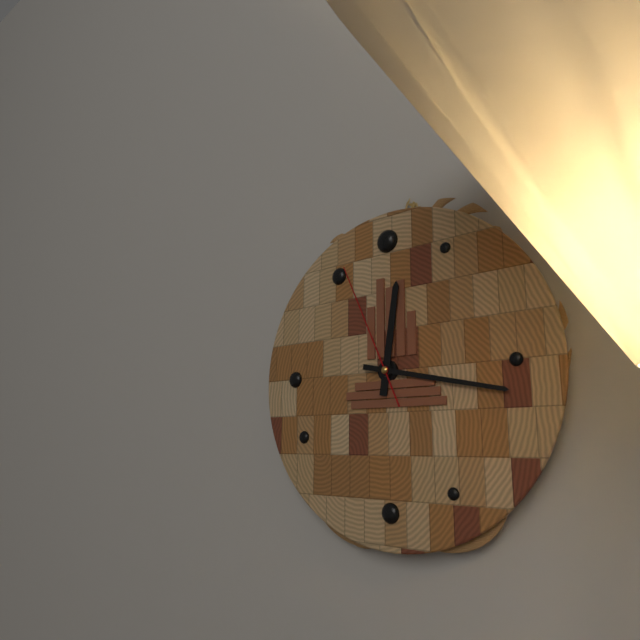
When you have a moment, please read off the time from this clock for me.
12:17:56
